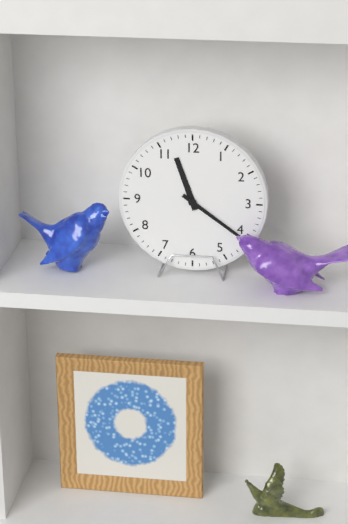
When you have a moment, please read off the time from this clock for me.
11:21
